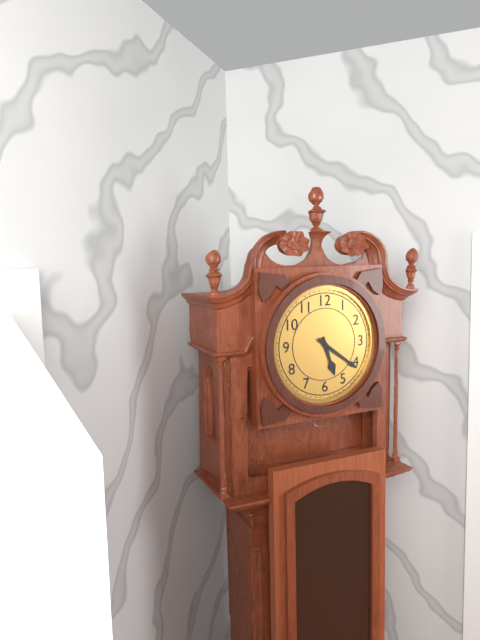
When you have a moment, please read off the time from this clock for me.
5:21
